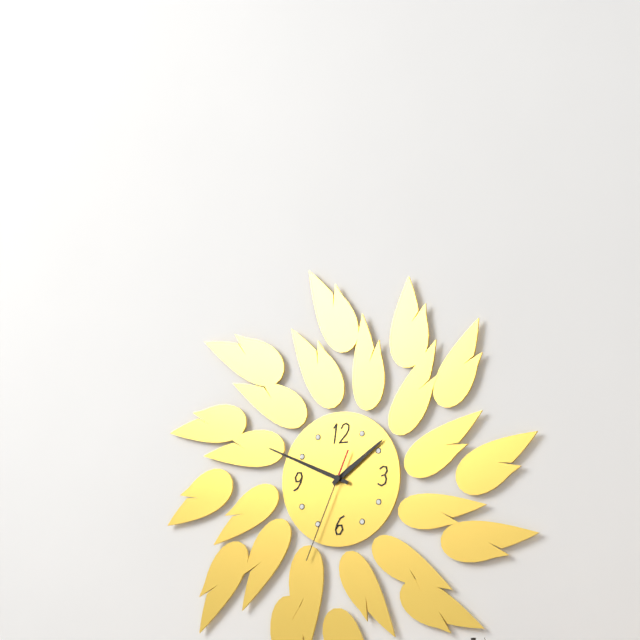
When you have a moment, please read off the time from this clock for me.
1:49:34
